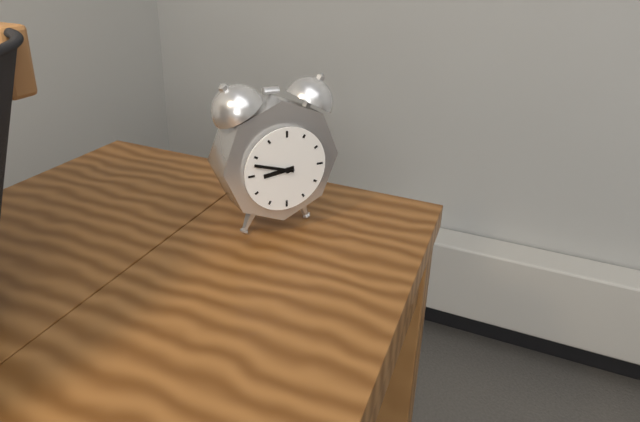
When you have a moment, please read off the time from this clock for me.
8:48
